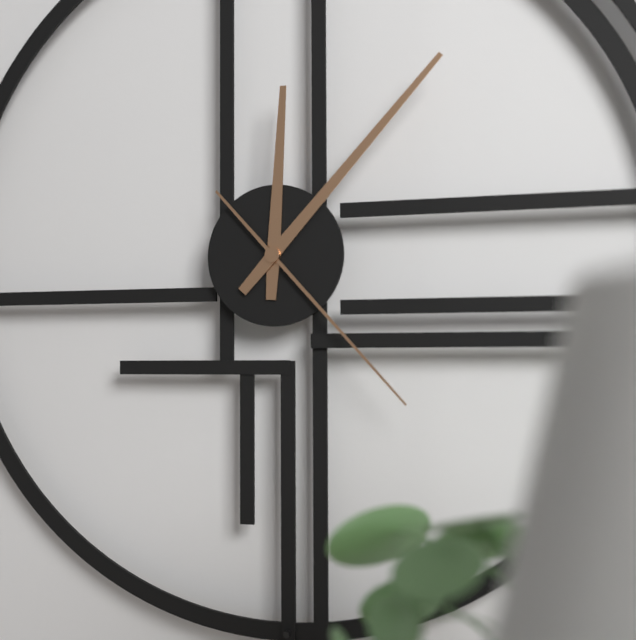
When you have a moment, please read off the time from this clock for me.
12:07:23
